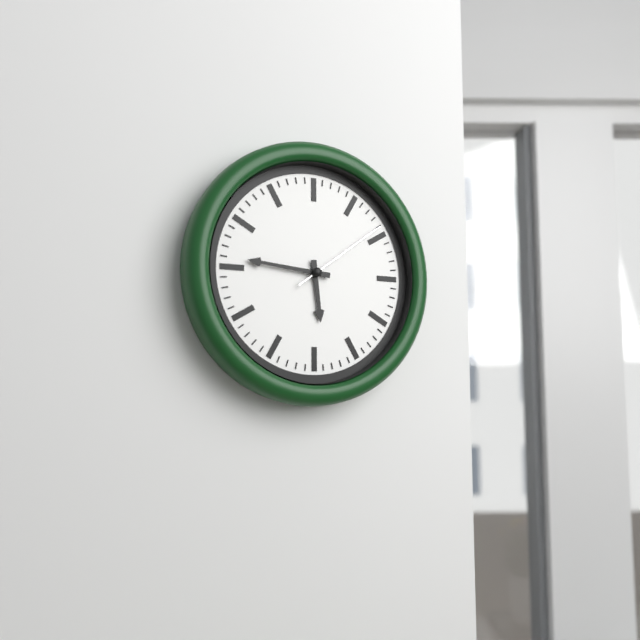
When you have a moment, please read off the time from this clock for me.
5:46:09
